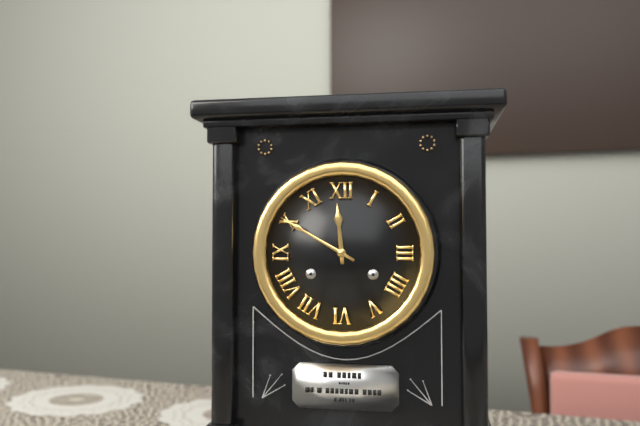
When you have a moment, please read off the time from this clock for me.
11:50
